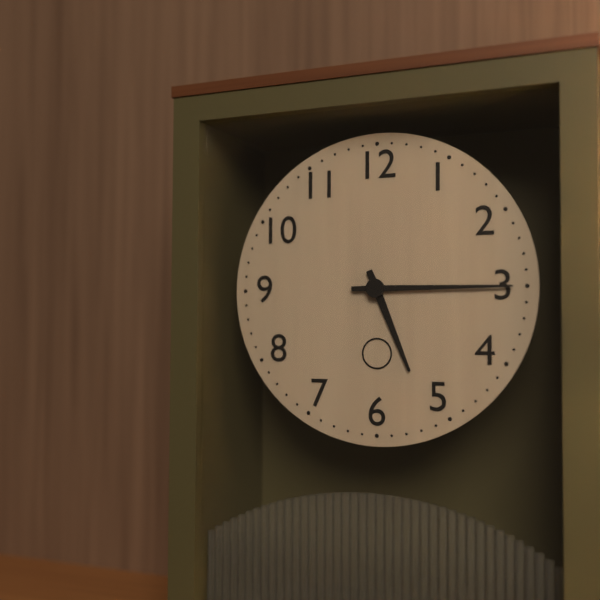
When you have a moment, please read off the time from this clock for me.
5:15
